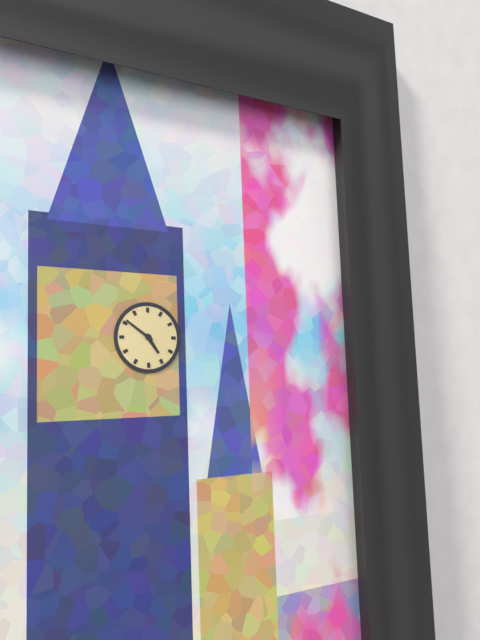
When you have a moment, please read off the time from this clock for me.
4:51
